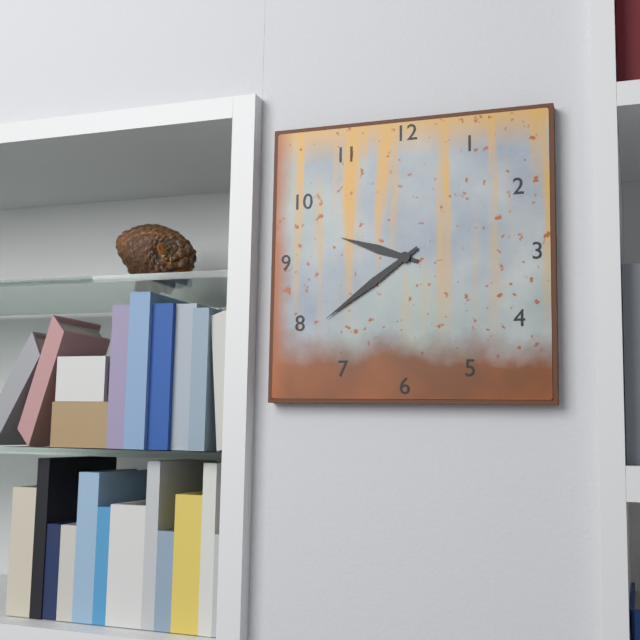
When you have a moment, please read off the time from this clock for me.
9:39
